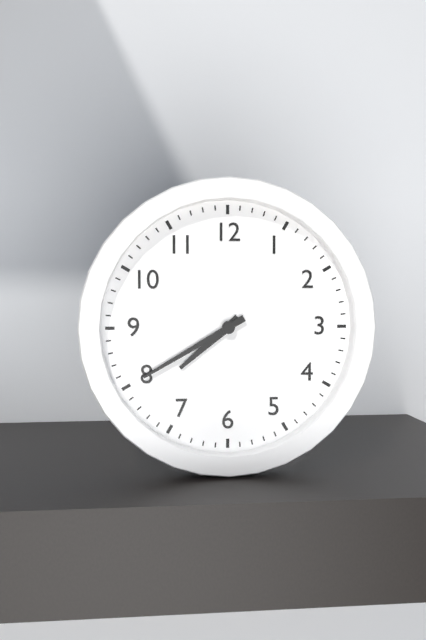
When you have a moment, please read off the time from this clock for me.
7:40
